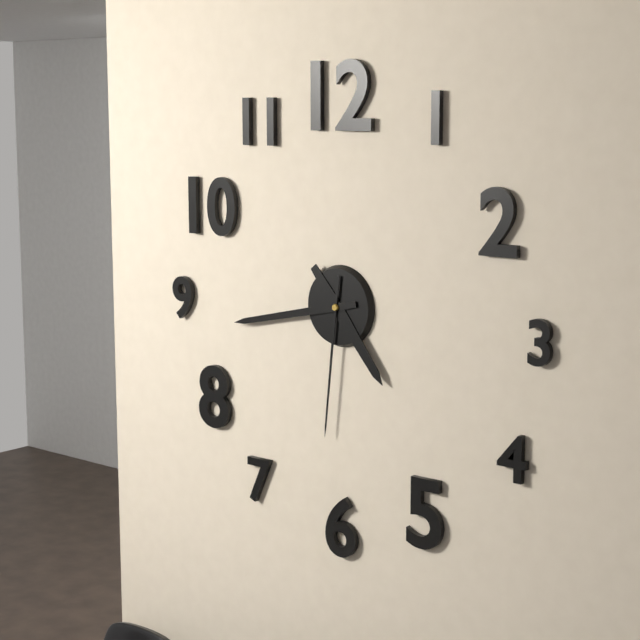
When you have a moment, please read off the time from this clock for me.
4:43:31
